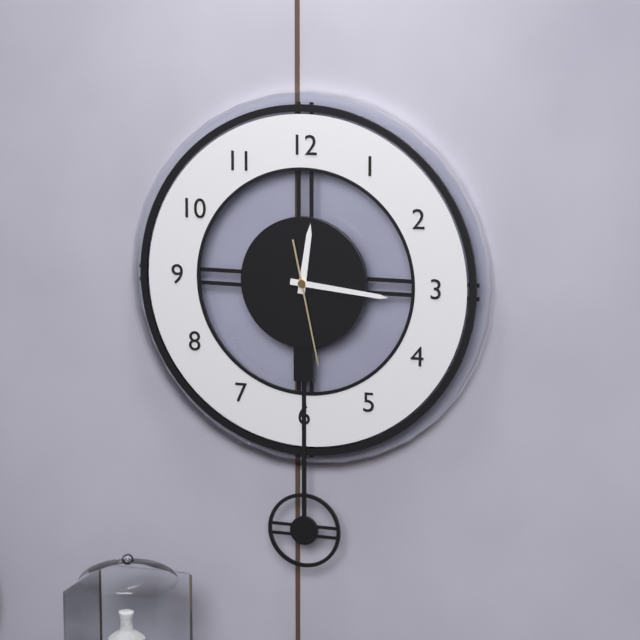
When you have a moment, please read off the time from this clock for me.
12:16:28
